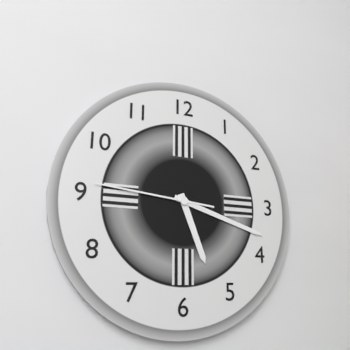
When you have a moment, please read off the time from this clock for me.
5:18:46
